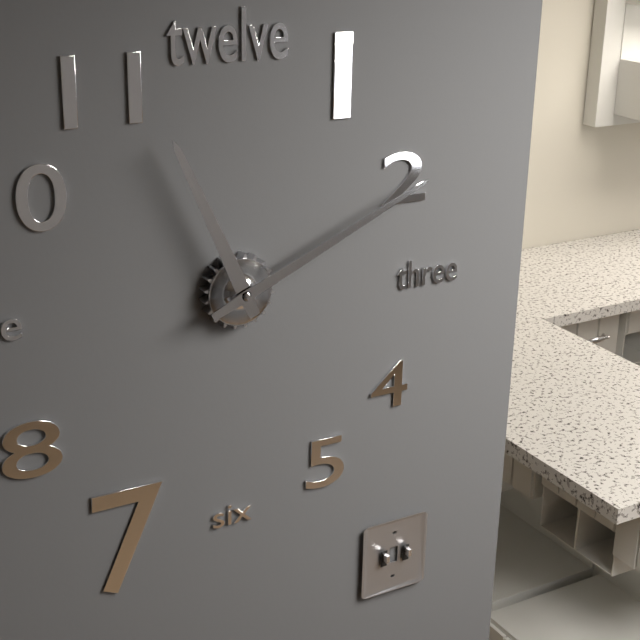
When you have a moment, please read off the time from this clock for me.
11:11
